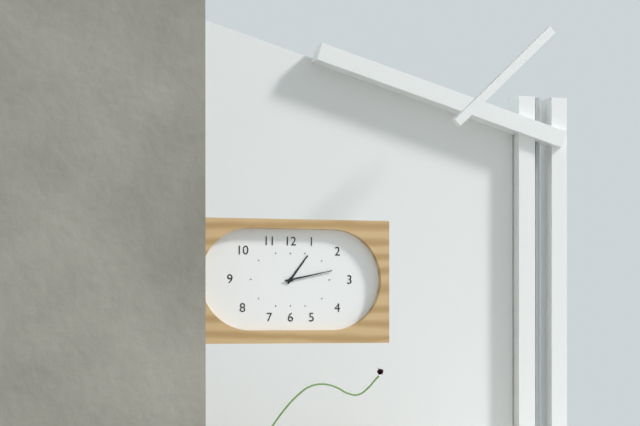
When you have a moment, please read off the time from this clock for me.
1:13
